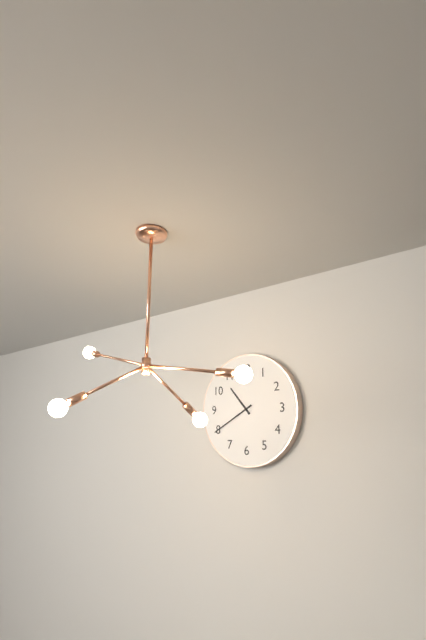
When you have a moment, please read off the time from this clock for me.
10:40
